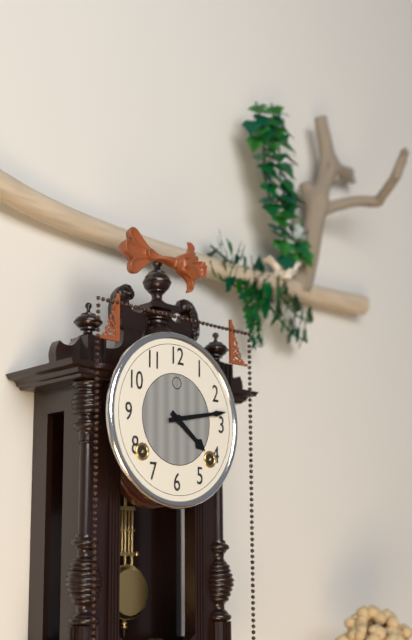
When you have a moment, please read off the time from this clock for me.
4:13
